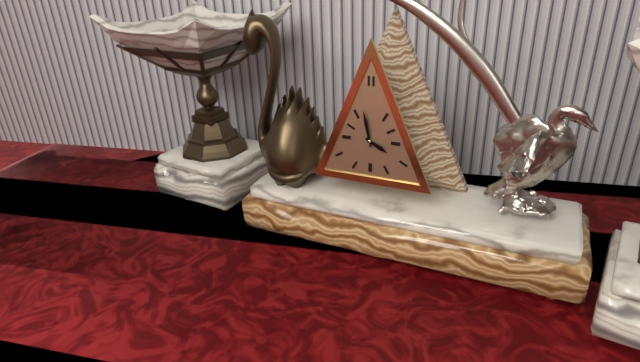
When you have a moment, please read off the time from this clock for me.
3:58
